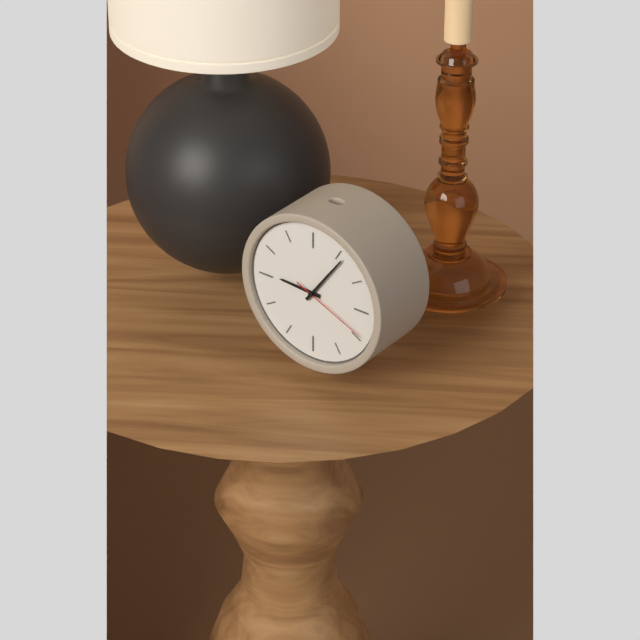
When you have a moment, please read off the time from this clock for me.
9:06:19
